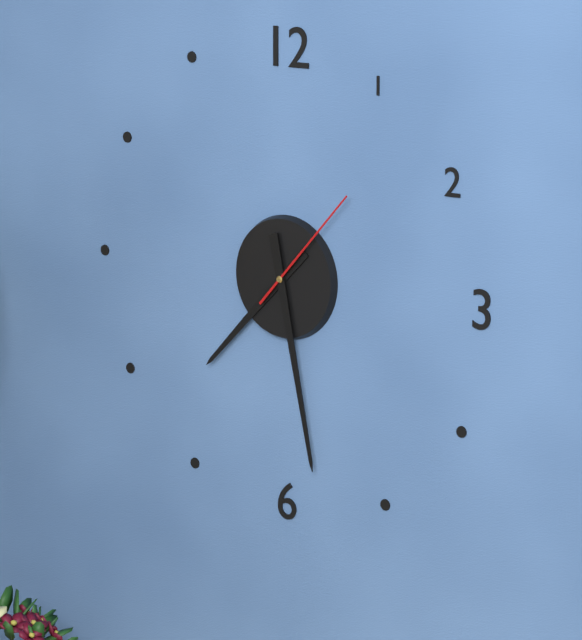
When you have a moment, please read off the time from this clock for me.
7:28:07
